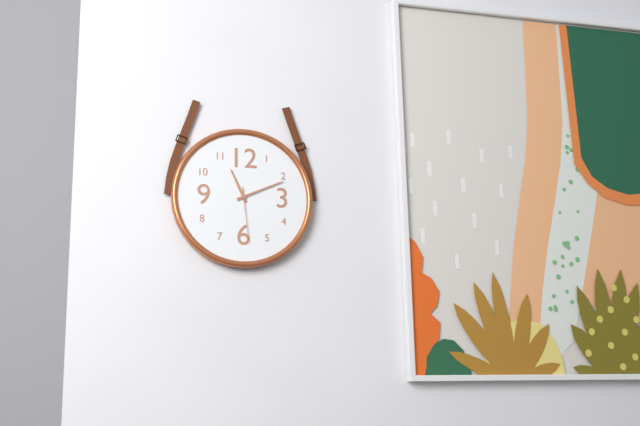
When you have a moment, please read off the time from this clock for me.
11:11:29
